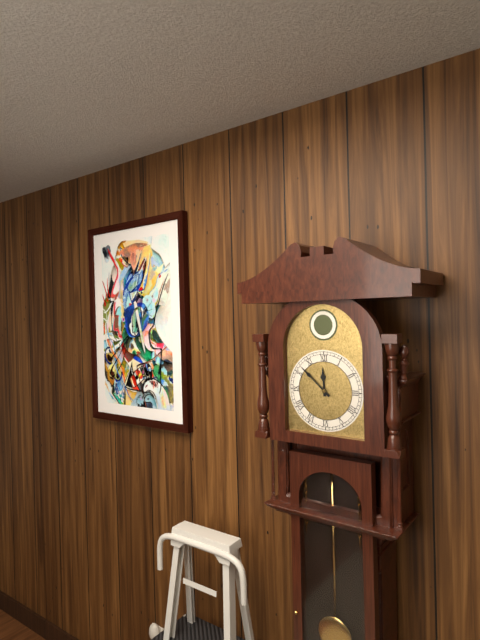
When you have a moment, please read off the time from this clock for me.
11:52
